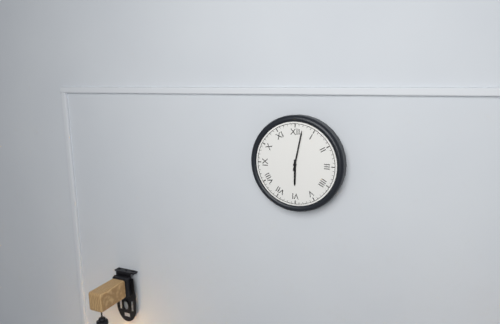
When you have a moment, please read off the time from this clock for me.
6:02
